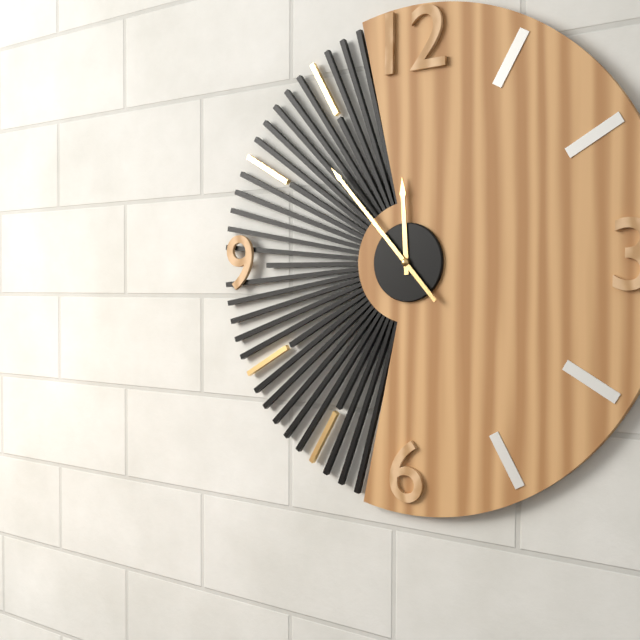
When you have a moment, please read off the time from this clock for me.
11:53
